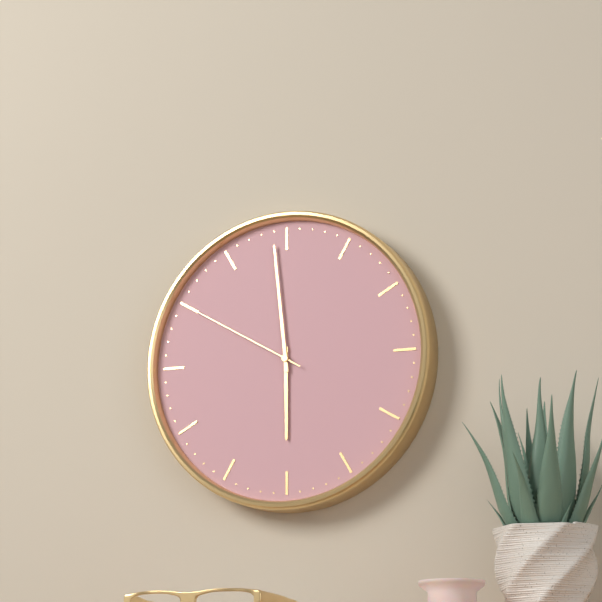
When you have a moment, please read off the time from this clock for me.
5:59:50
